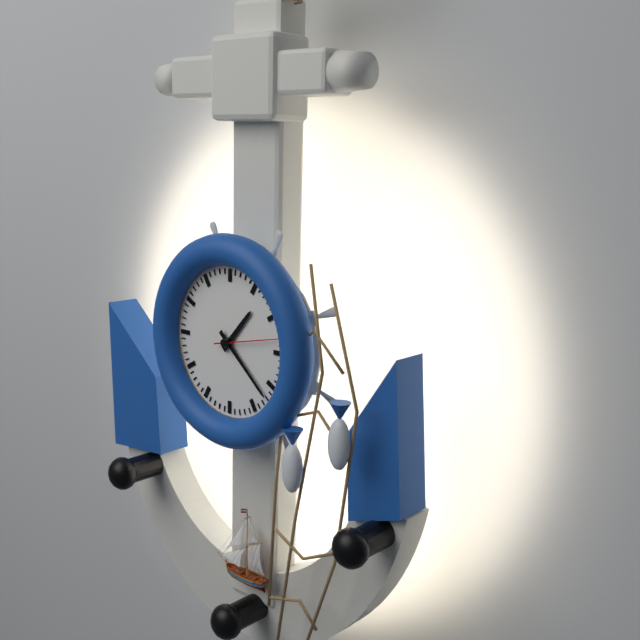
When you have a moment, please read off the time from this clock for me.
1:22:13
